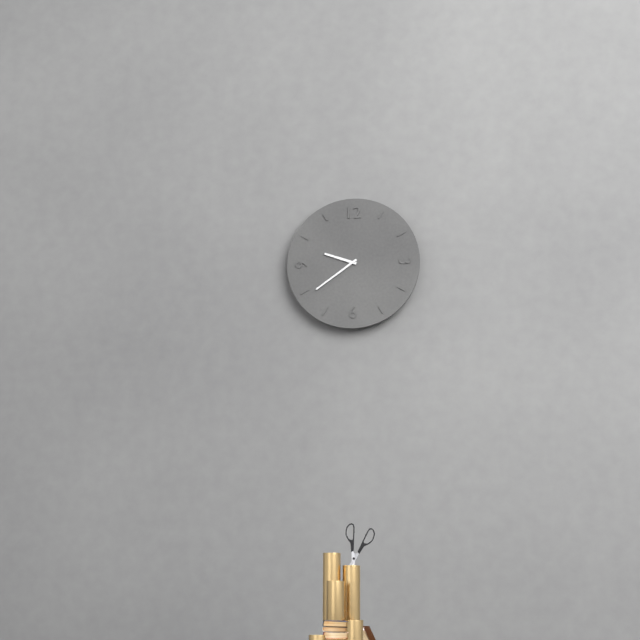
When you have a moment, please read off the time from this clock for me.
9:39
